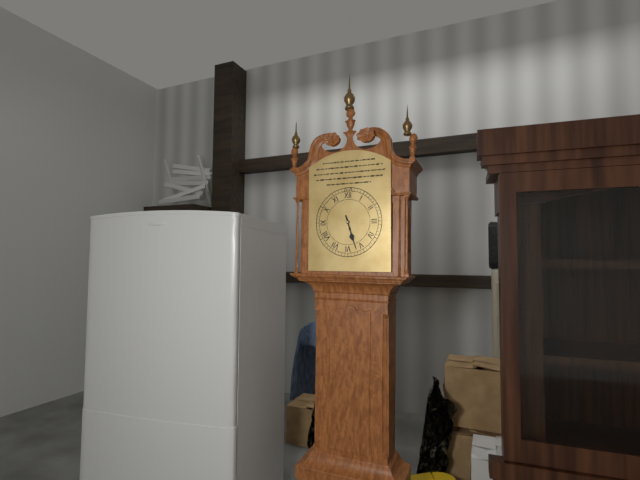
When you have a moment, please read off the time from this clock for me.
5:27
